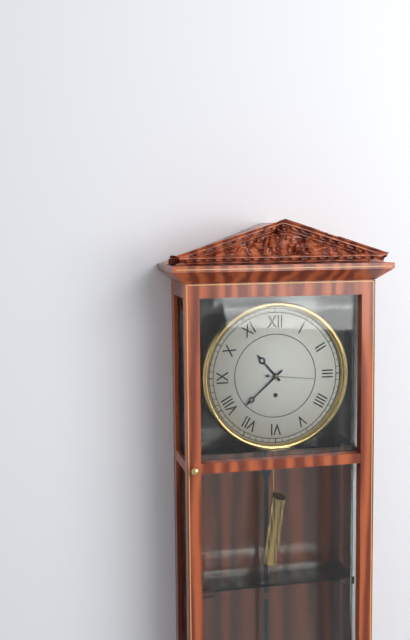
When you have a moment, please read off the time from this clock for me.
10:38:16
